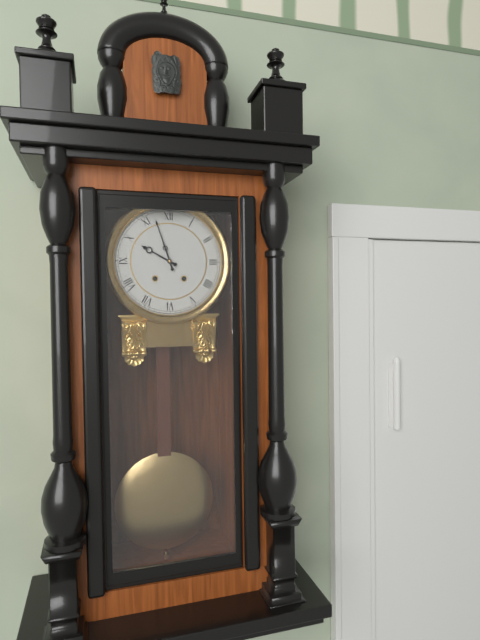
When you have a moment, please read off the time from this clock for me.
9:57
